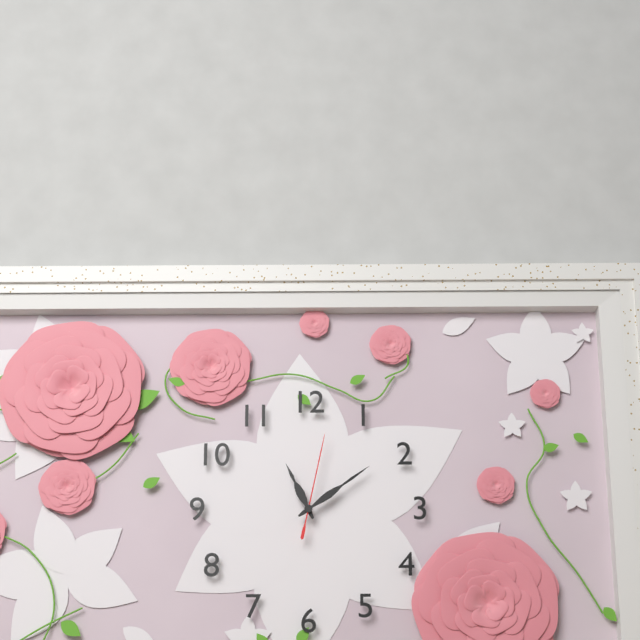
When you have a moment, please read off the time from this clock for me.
11:09:02
